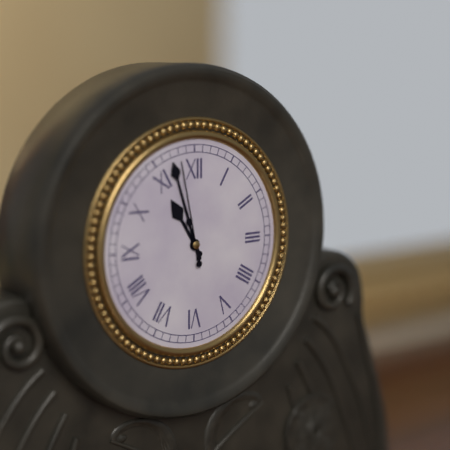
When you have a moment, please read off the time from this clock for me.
10:57:58
